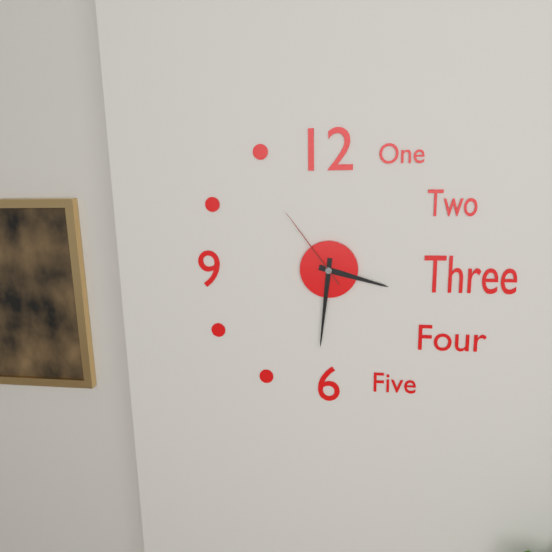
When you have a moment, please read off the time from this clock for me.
3:31:54
